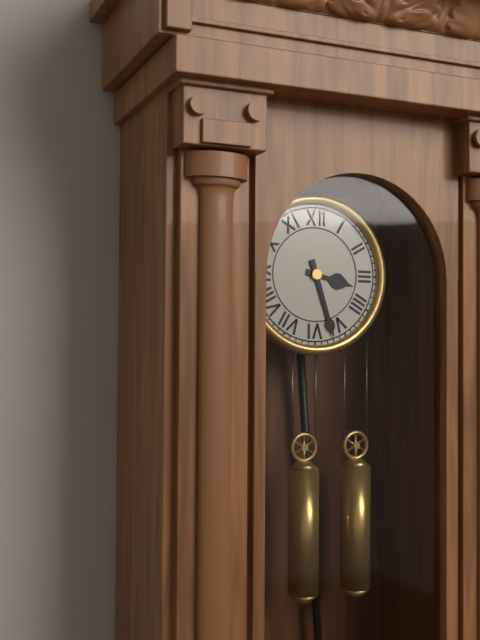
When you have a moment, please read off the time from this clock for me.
3:27
